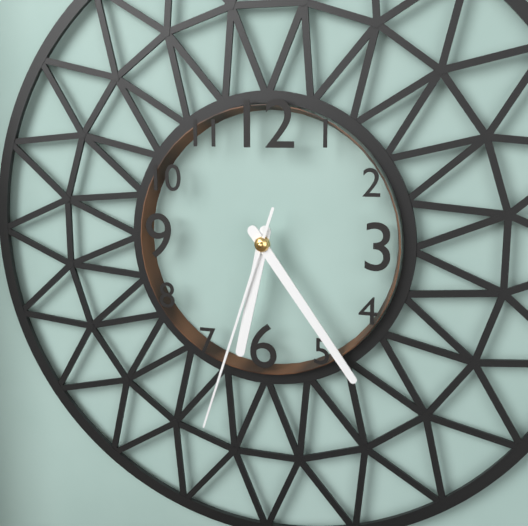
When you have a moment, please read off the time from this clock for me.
6:24:33
